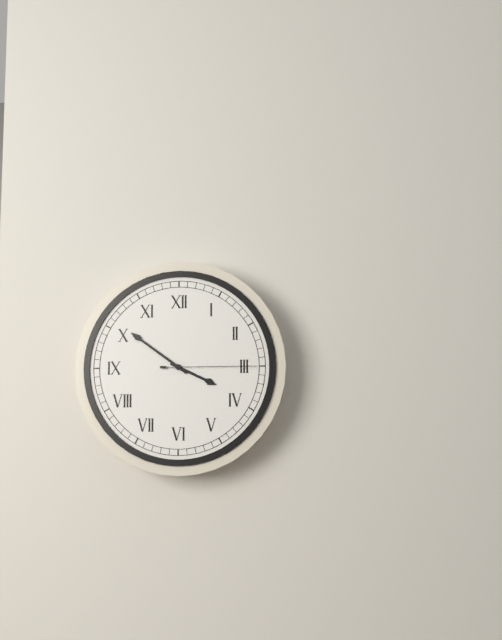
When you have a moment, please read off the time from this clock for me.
3:51:15
